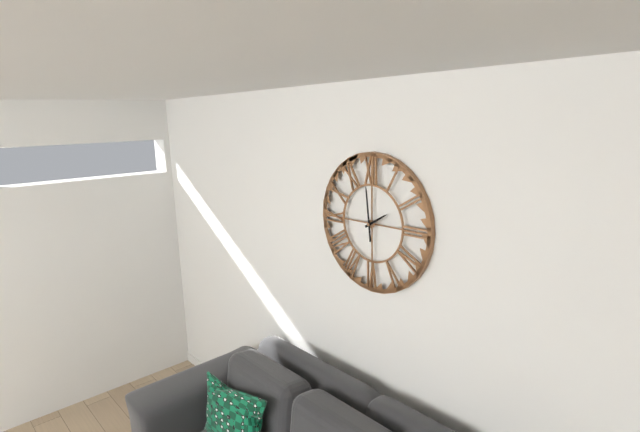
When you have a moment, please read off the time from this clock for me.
1:59
